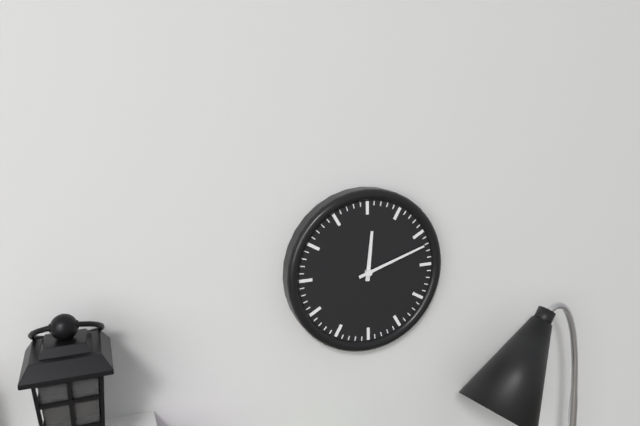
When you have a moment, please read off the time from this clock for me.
12:12
